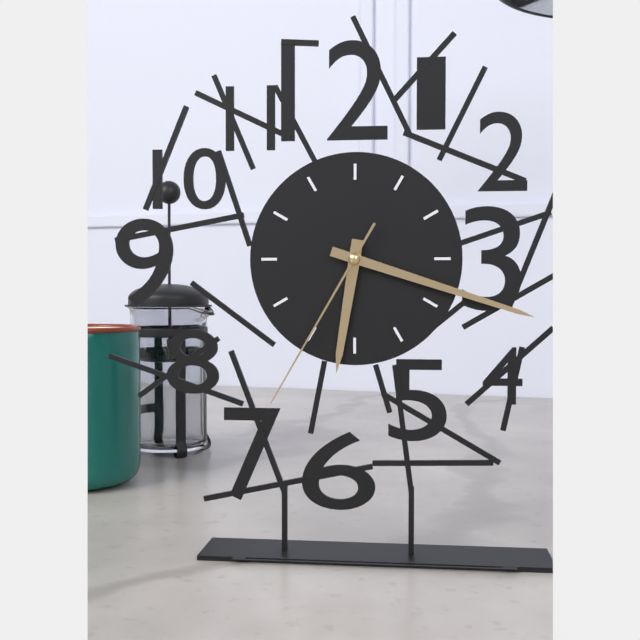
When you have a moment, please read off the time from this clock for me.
6:18:35
